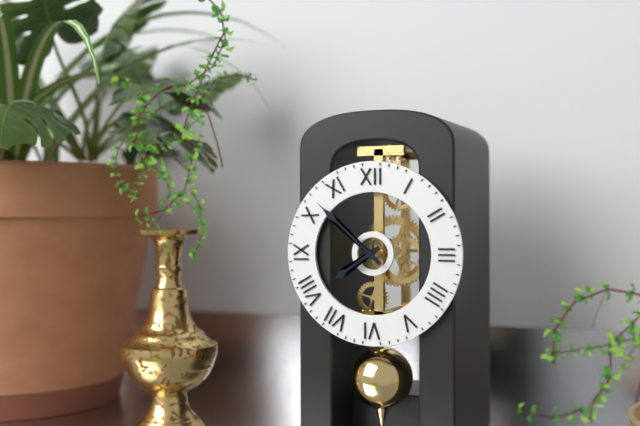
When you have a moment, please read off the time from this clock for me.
7:52
